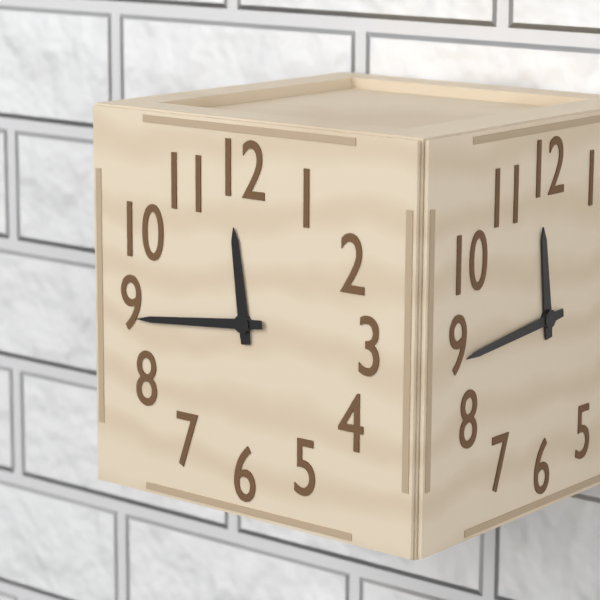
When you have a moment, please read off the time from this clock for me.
11:44
